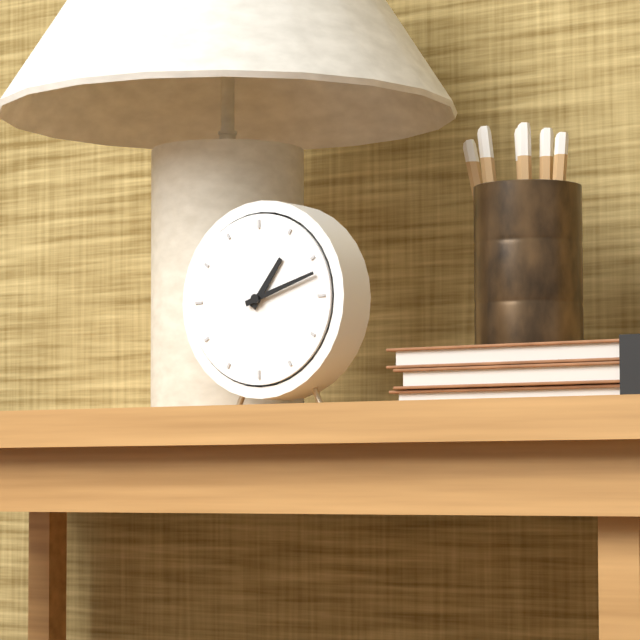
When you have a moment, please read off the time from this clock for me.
1:12
